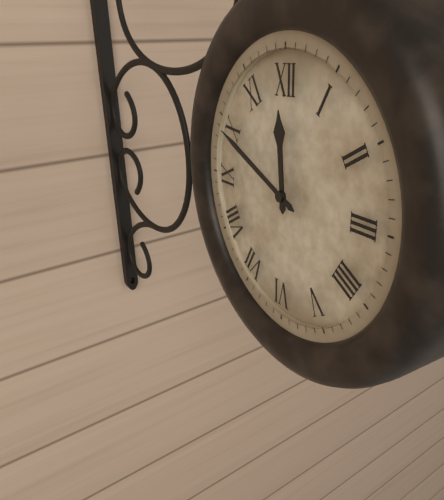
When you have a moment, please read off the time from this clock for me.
11:49
